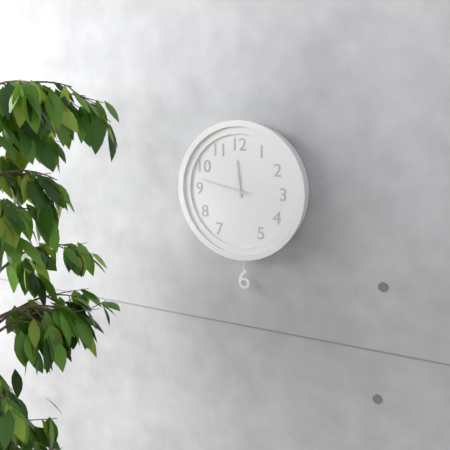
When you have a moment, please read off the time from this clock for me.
11:47
